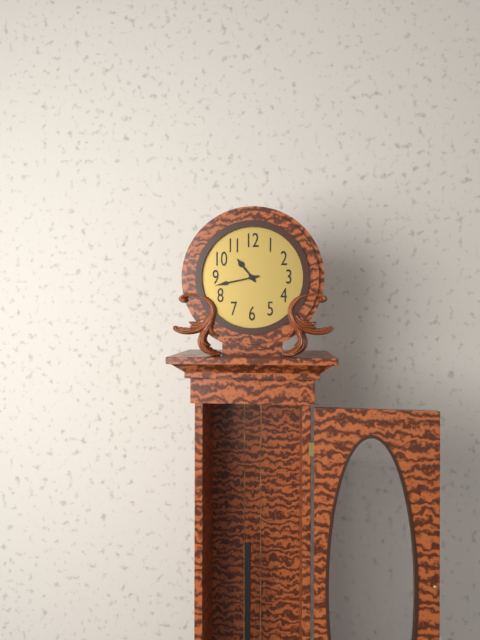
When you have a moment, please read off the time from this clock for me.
10:43
